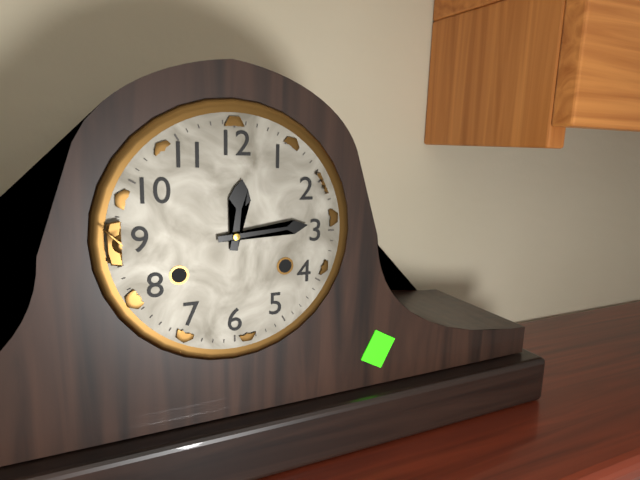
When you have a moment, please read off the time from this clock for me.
12:14
